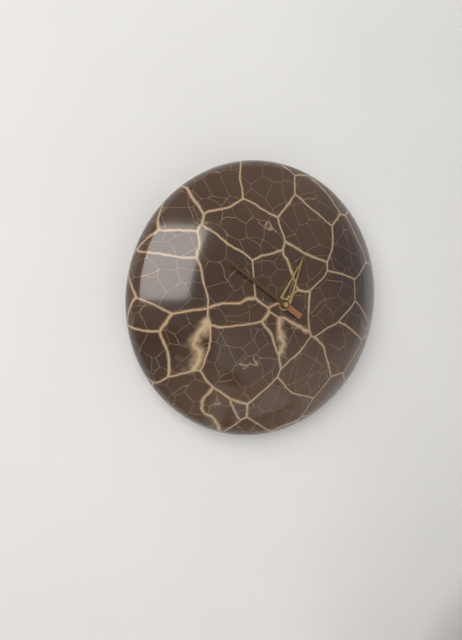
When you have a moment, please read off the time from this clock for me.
12:51
